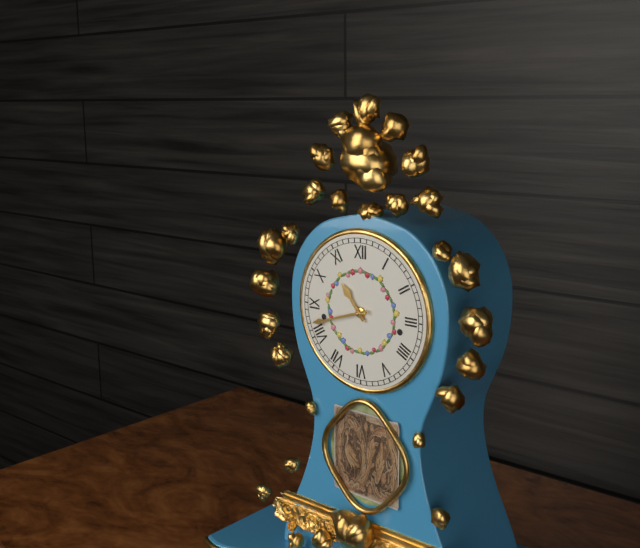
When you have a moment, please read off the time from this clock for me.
10:42
